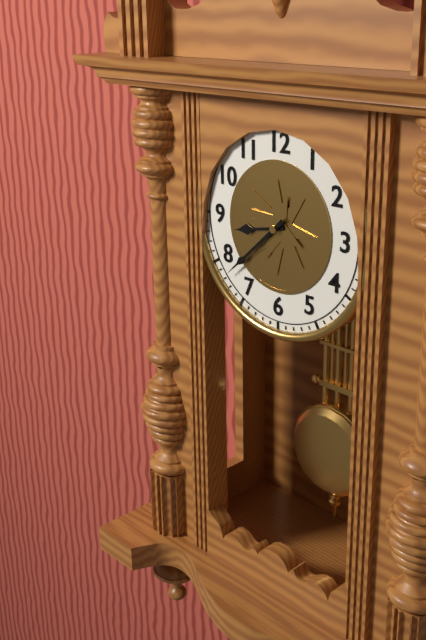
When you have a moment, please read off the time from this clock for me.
8:38
